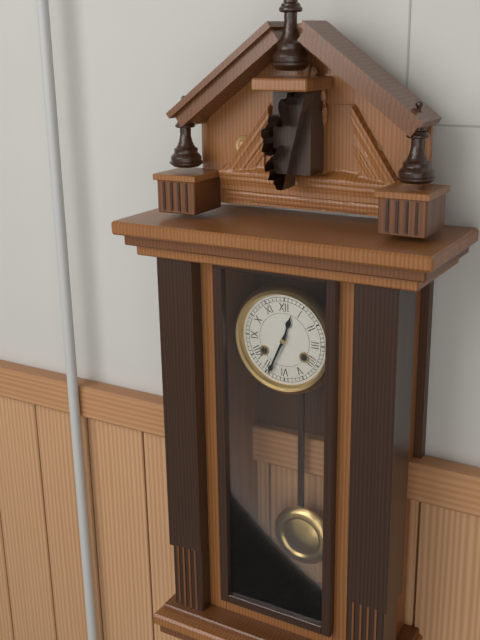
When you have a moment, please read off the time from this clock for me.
12:34
